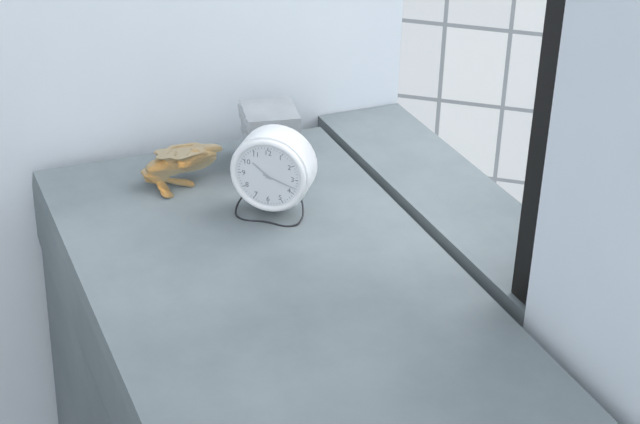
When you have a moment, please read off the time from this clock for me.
10:18
